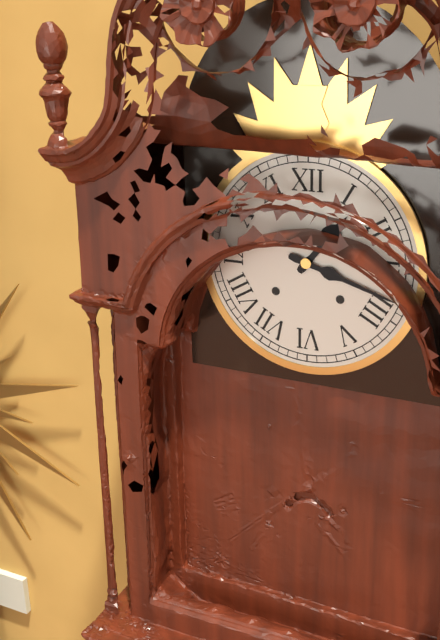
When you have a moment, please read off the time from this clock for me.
1:18
